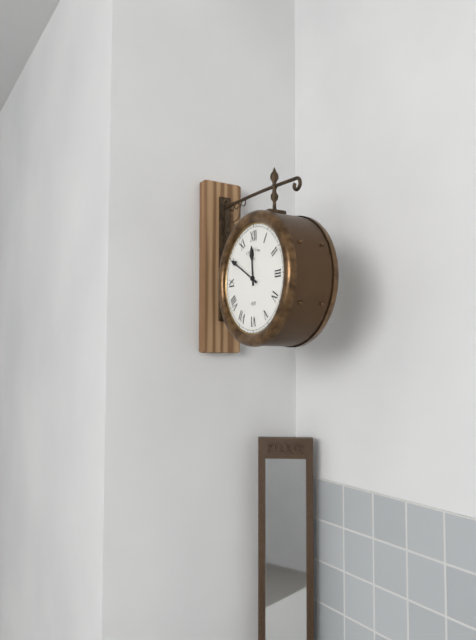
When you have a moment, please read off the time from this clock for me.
11:50
